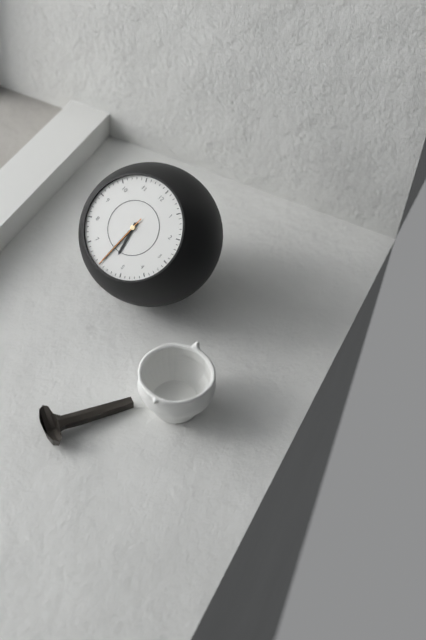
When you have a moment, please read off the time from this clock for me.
5:30:30
